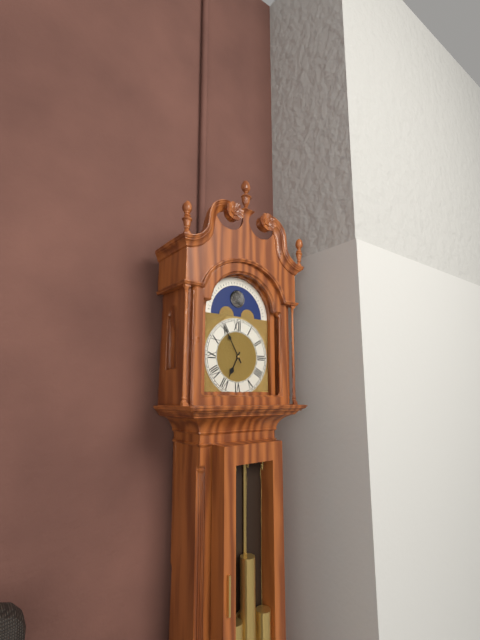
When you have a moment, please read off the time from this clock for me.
6:55
